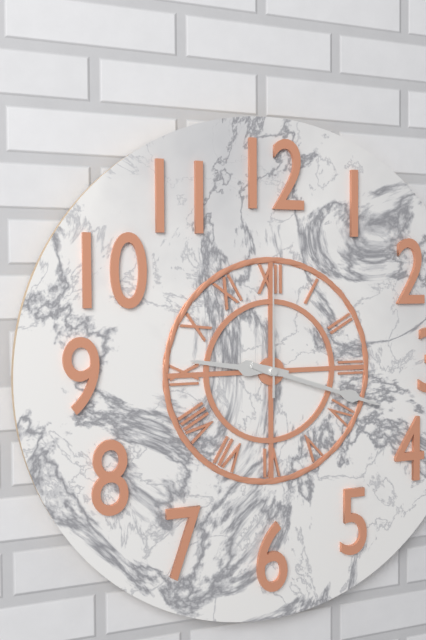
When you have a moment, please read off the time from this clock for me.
9:18:00
